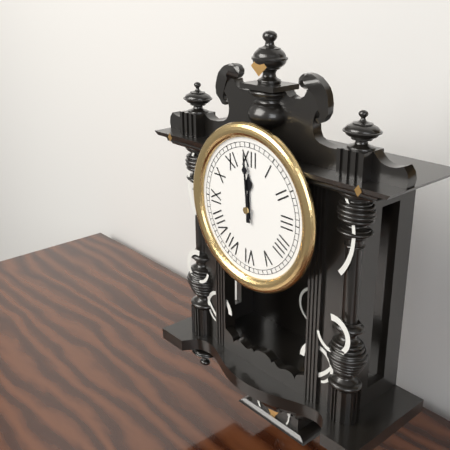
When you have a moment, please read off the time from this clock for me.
11:59
